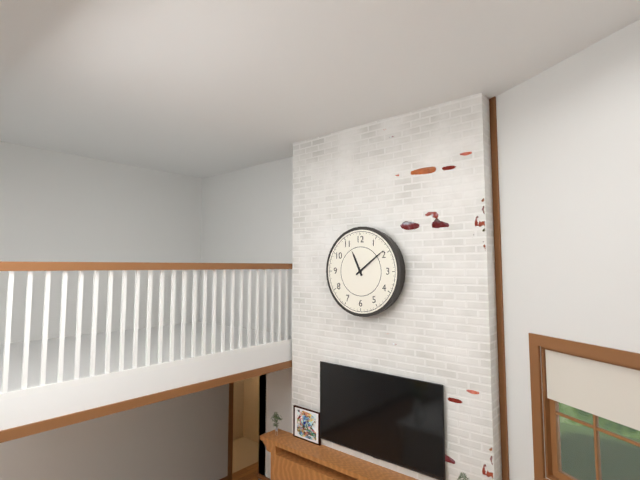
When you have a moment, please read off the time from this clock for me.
11:09
